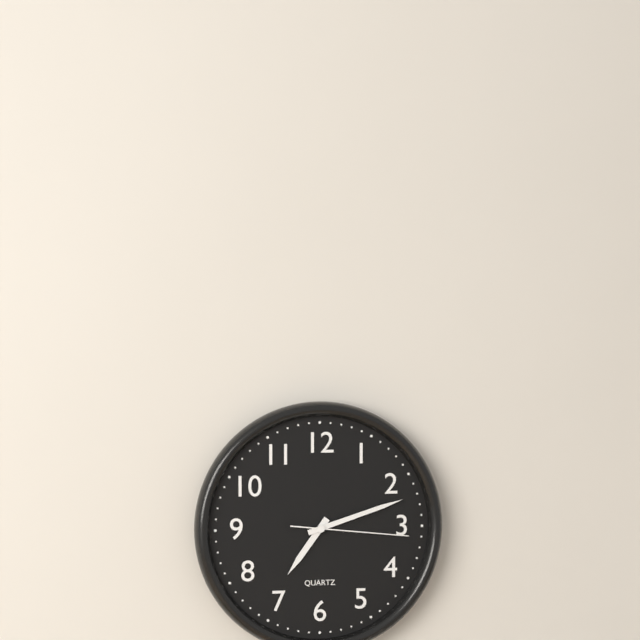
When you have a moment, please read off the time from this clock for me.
7:12:16
